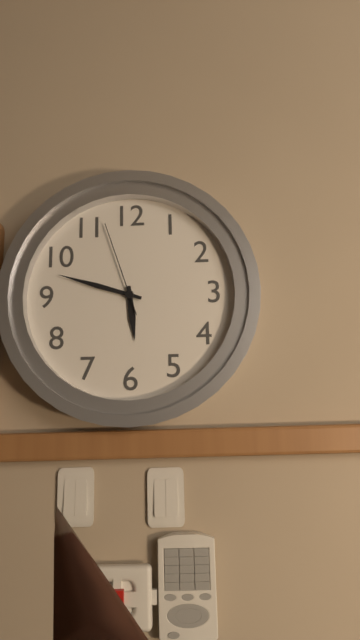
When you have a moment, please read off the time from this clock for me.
5:48:57
